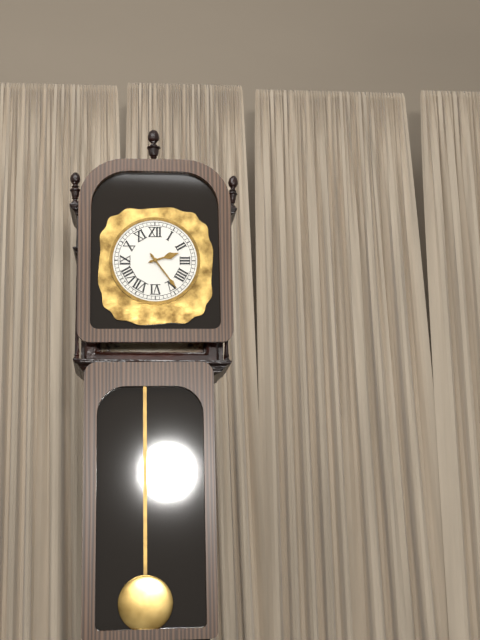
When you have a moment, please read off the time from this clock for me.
2:24
